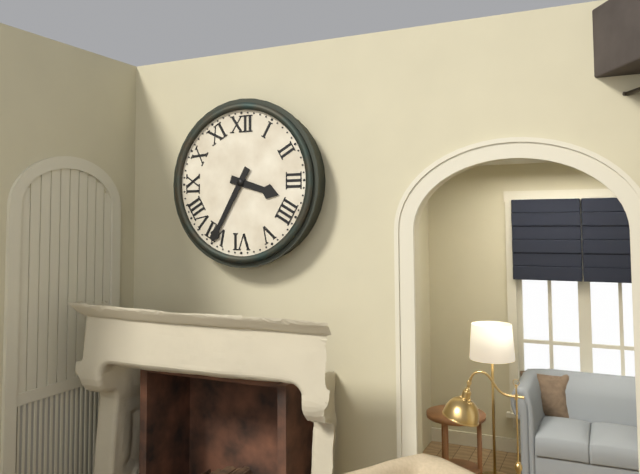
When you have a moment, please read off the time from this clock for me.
3:35
